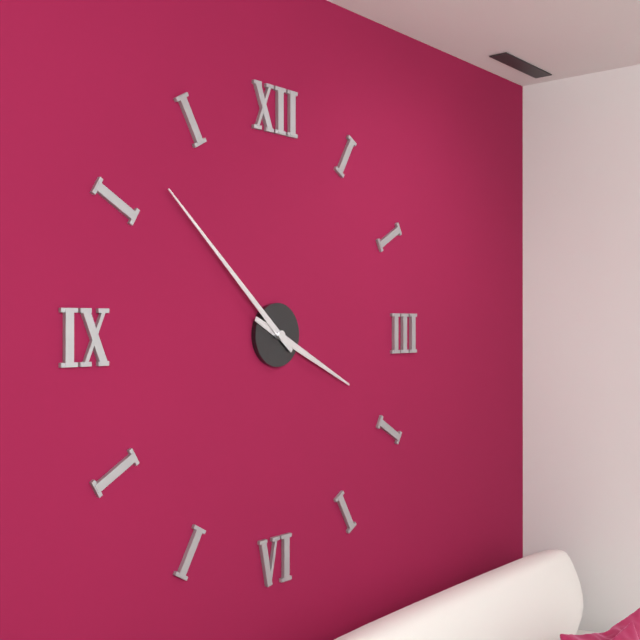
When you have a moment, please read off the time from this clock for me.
3:52
